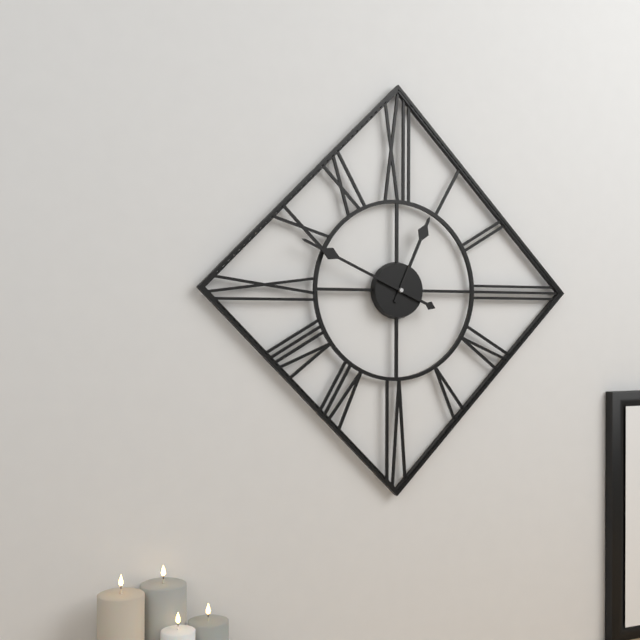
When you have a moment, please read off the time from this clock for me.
12:49
